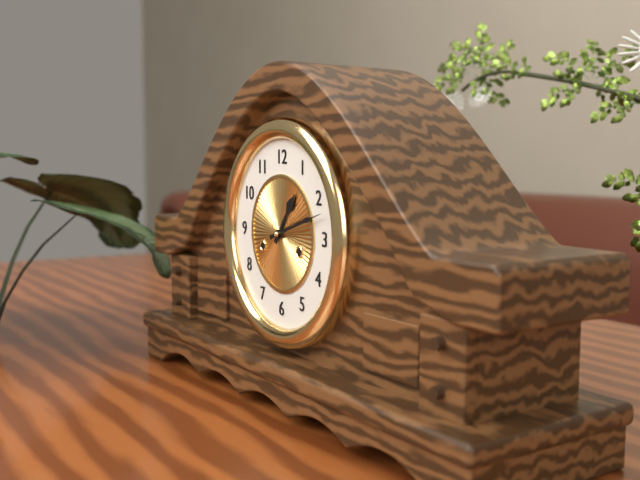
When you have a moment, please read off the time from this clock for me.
1:12
